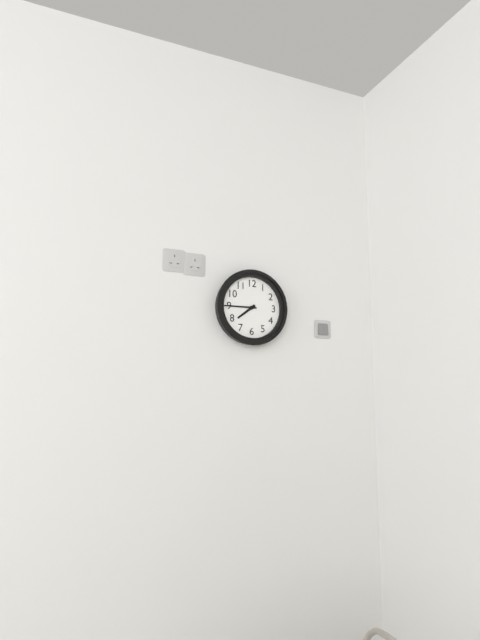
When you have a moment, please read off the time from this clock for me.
7:45
